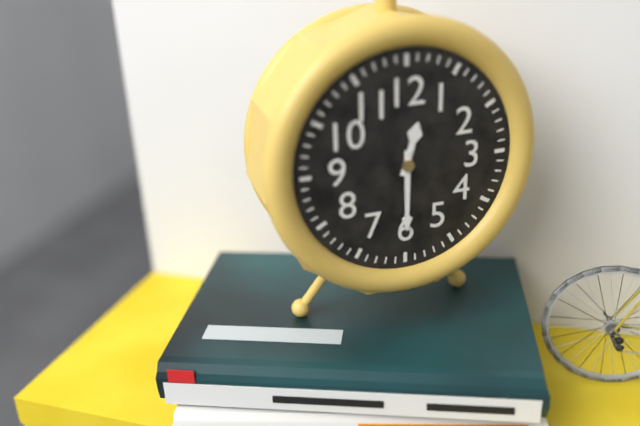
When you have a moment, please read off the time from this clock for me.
12:30
